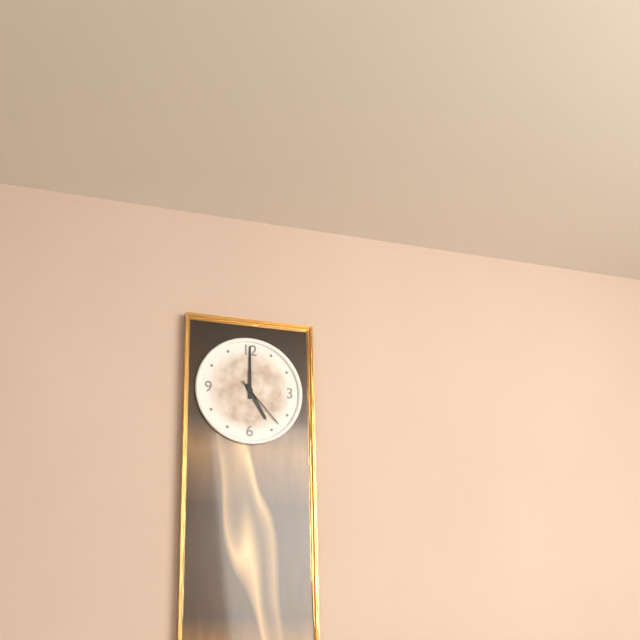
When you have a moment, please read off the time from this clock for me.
5:00:23
